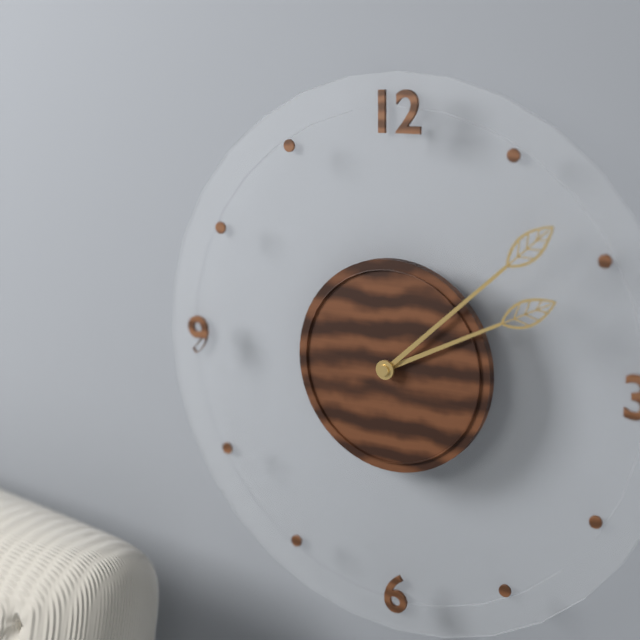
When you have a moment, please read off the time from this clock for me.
2:08
